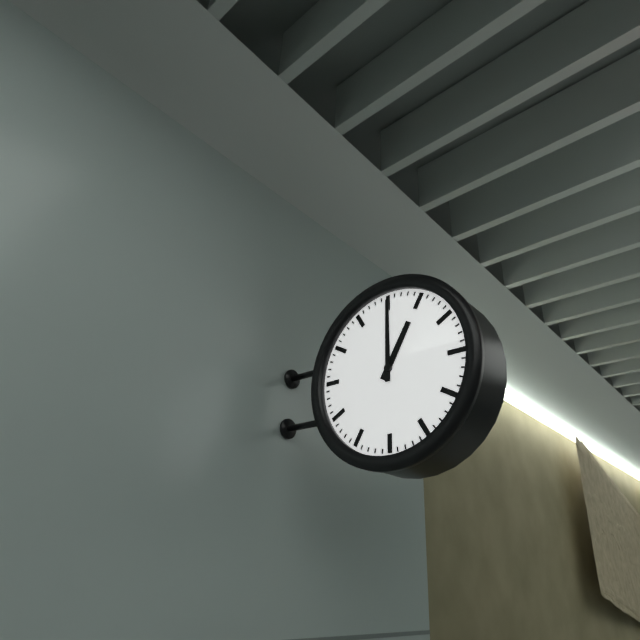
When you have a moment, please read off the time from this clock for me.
1:00
